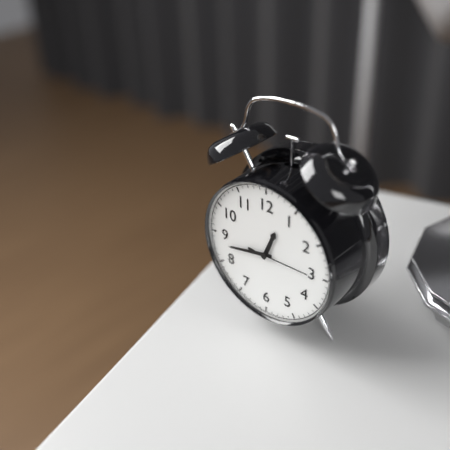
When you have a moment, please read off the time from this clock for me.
12:43:15
